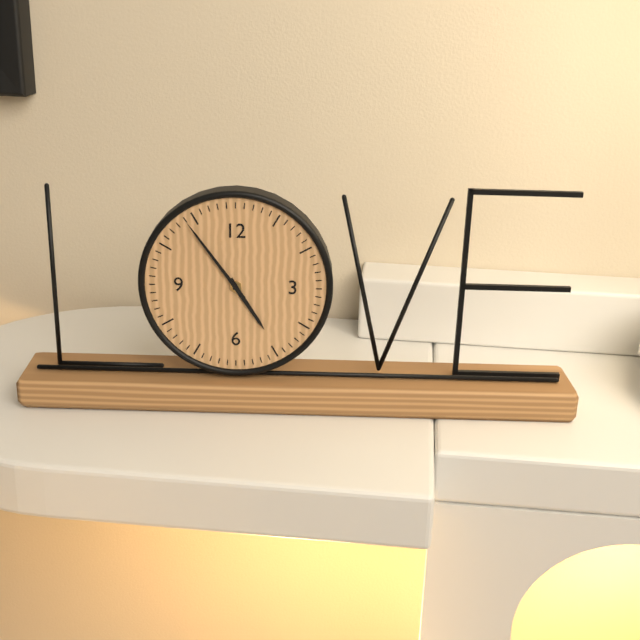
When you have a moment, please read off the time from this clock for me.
4:54
